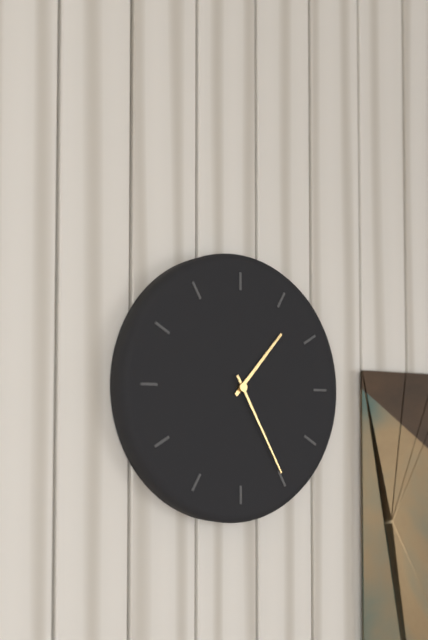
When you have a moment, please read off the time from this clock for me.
1:25
